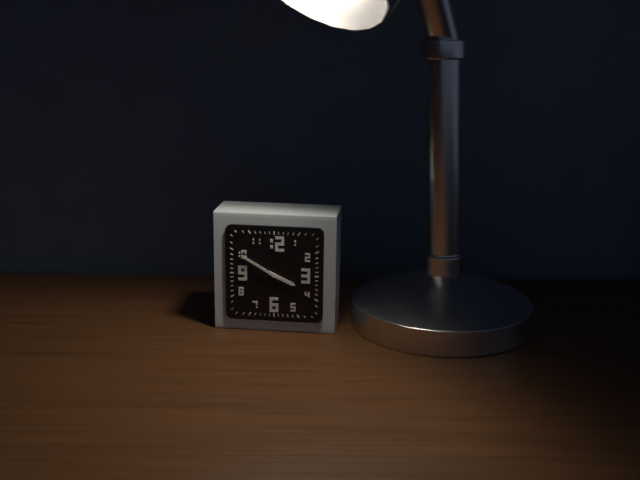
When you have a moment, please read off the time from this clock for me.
3:50
